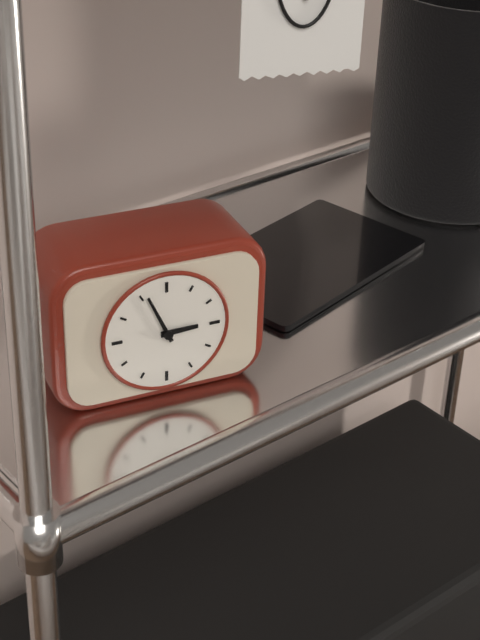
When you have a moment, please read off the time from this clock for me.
2:56
